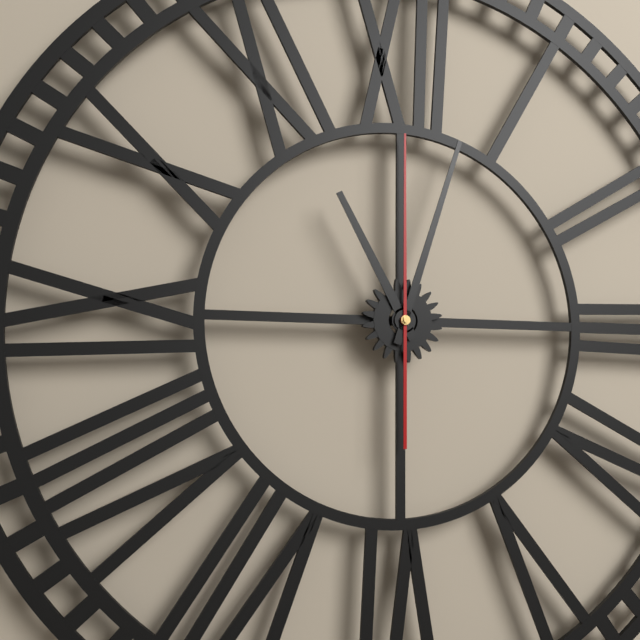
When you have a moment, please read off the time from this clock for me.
11:03:00
